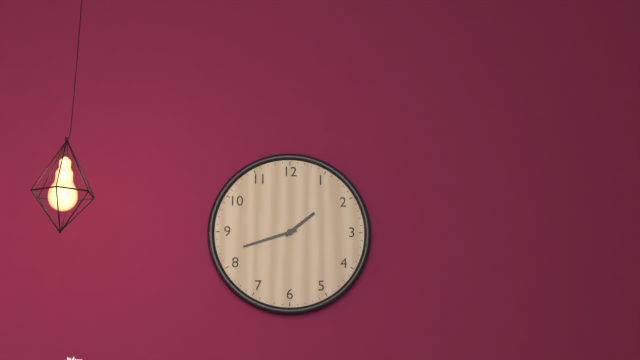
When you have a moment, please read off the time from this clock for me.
1:42
